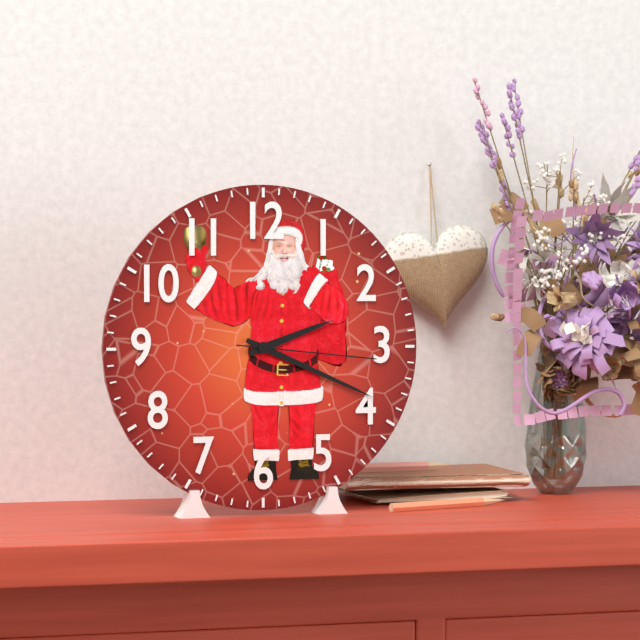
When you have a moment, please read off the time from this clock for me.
2:19:16
